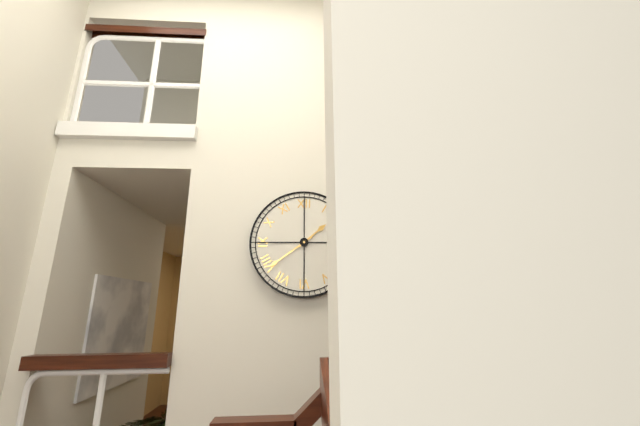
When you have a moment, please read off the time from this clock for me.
1:39
